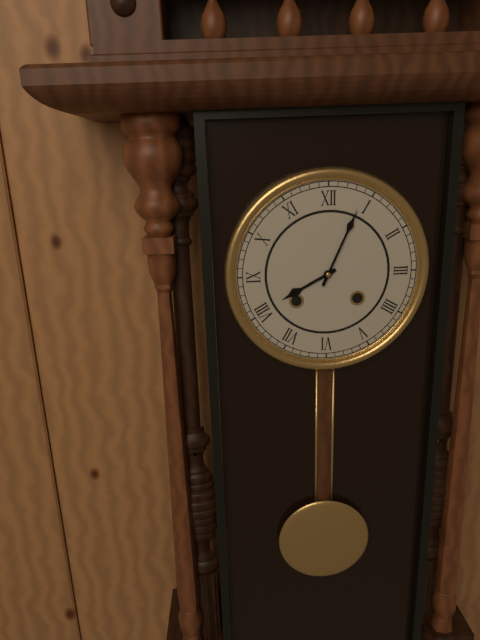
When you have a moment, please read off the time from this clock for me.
8:04
